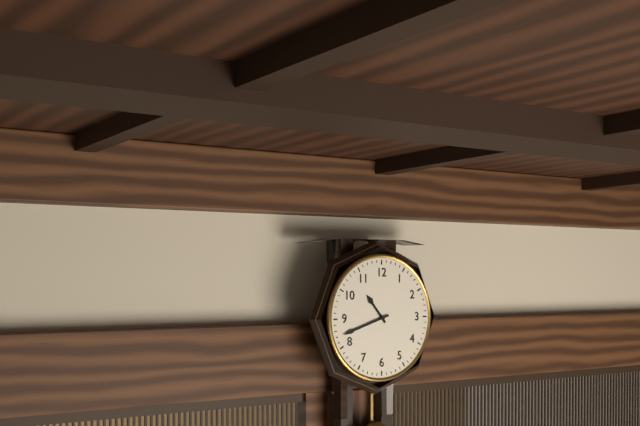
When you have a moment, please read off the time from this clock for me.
10:42
